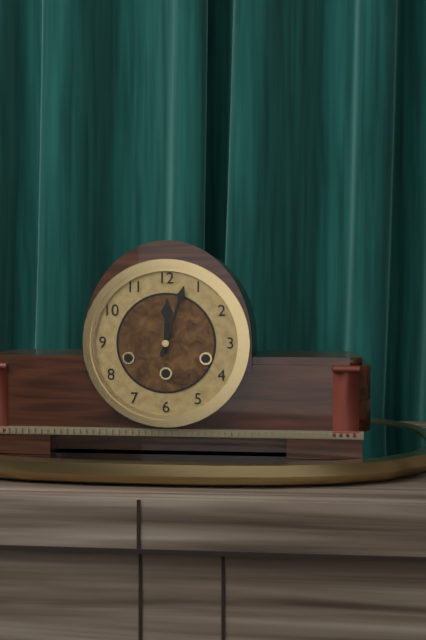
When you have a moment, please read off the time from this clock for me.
12:03
